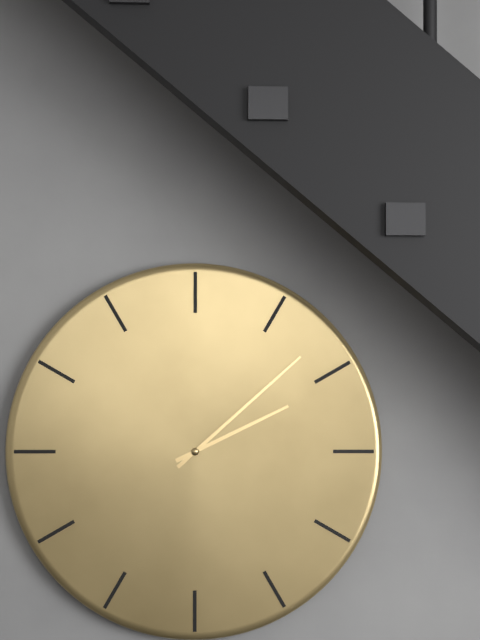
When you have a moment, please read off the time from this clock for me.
2:08
